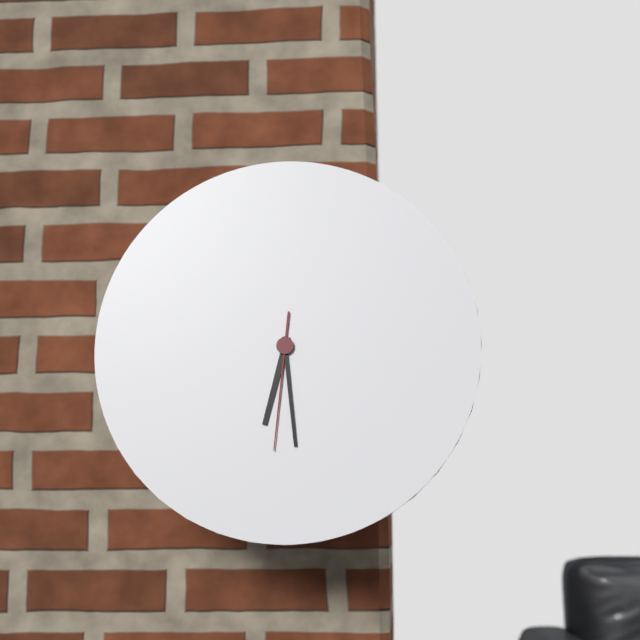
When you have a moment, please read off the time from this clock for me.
6:29:31
